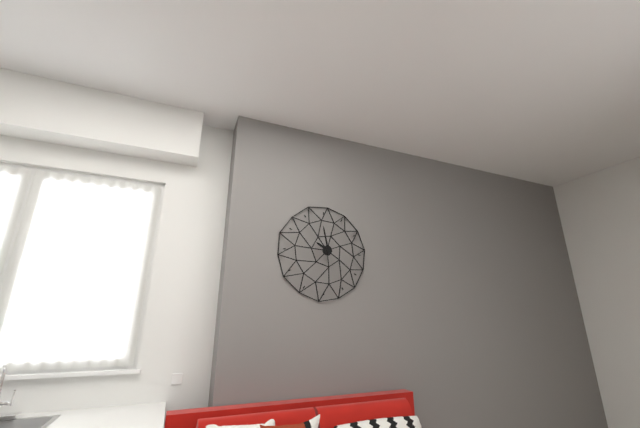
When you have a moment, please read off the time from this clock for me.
9:58
